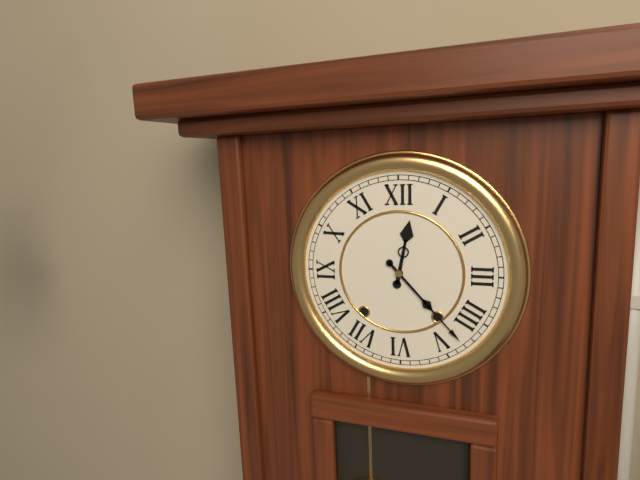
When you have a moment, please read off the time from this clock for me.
12:23
